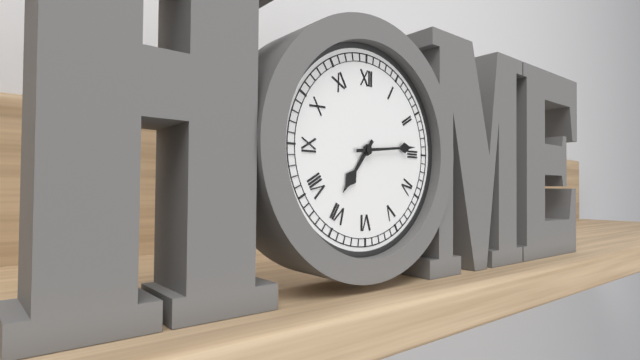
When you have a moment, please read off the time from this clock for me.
7:14
